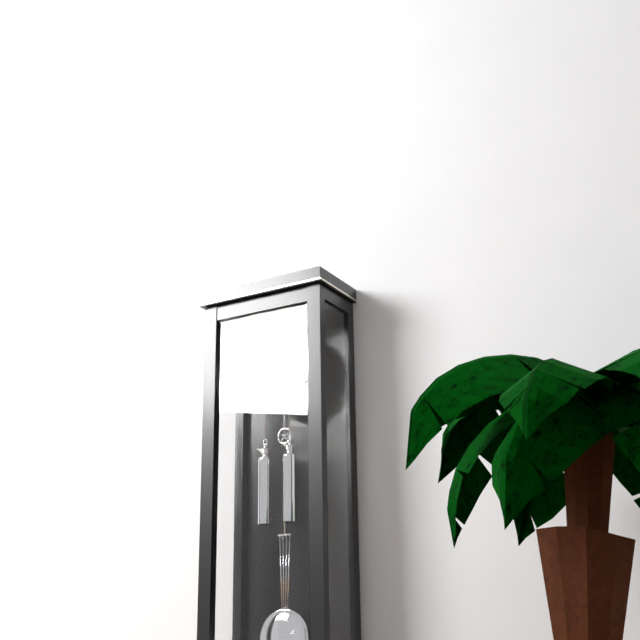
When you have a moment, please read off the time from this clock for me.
2:09
